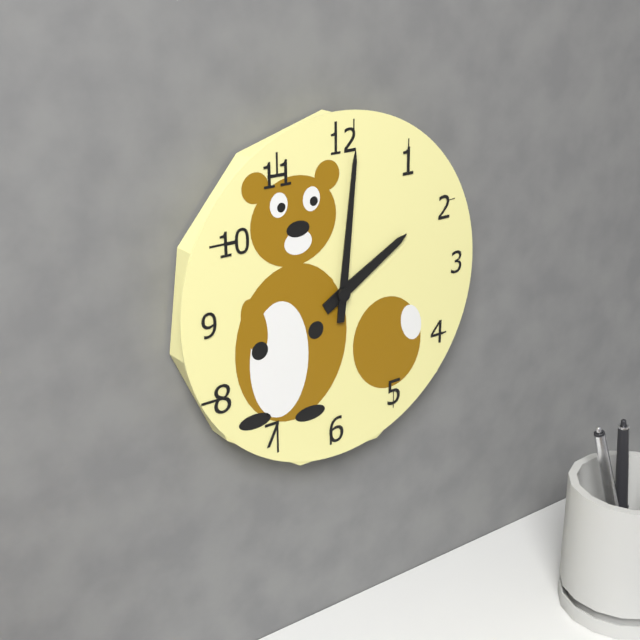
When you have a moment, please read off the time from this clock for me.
2:01
